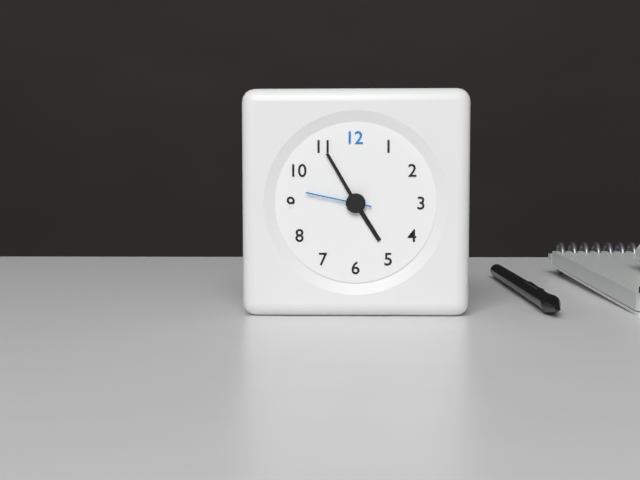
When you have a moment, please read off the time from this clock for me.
4:55:47
